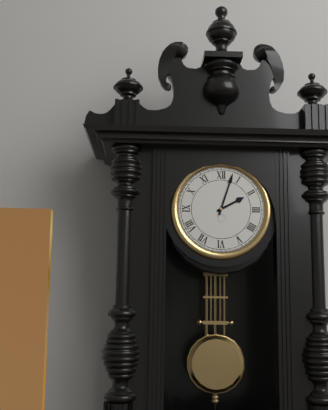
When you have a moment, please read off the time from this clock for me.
2:03
